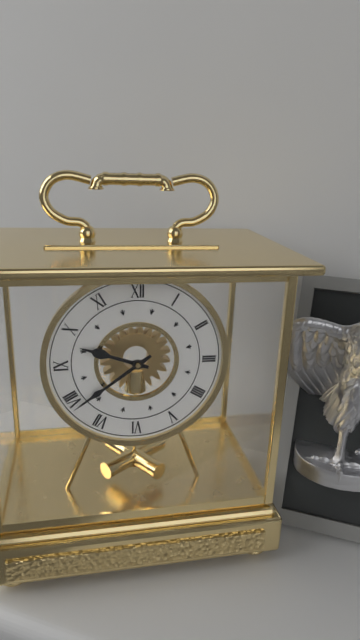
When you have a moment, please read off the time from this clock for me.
9:39
